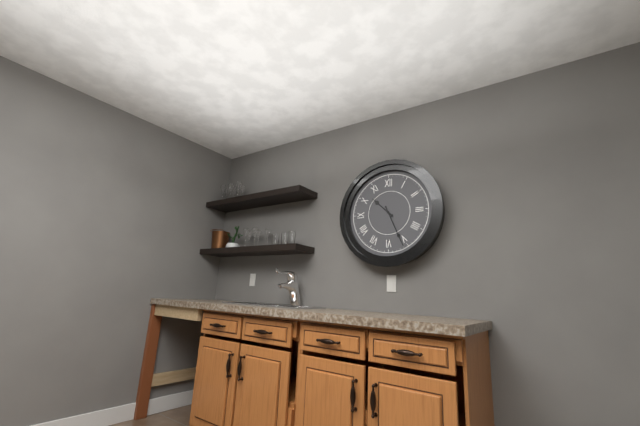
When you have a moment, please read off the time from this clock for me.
10:26
